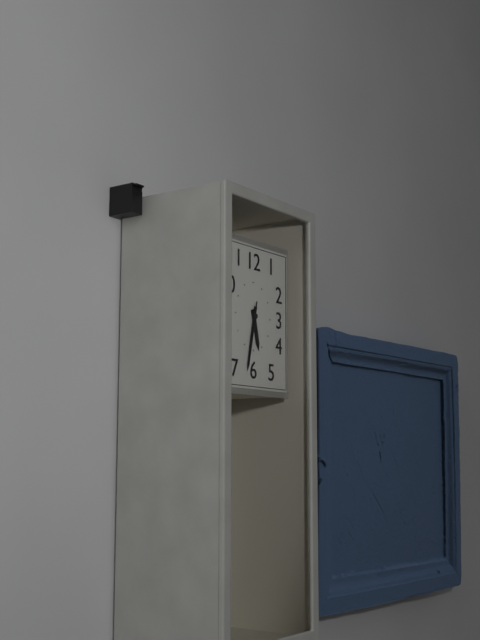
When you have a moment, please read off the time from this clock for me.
5:32:32
